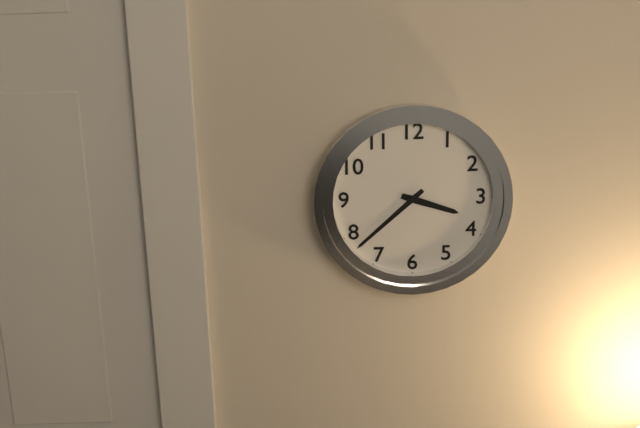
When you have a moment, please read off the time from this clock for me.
3:38
